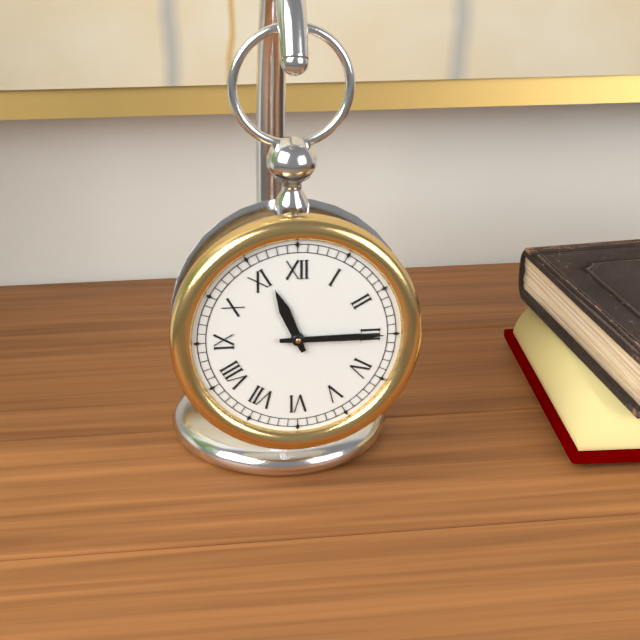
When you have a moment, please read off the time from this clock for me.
11:15
